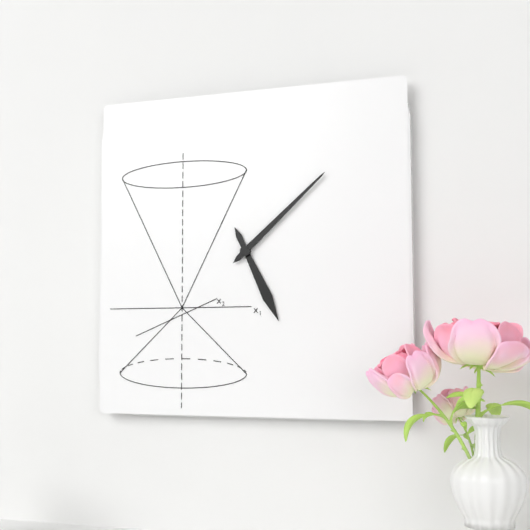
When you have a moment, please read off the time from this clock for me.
5:08
